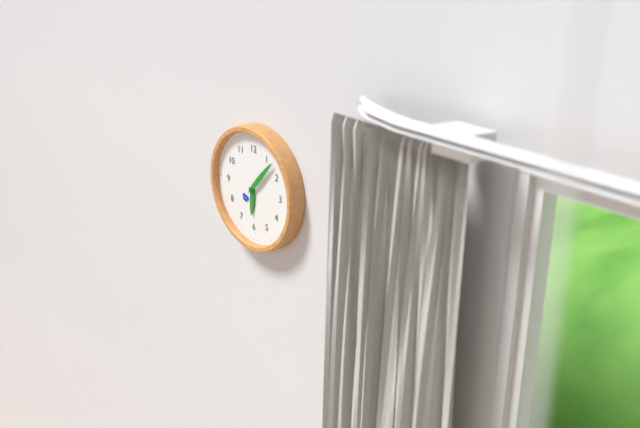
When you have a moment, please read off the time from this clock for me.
6:07
